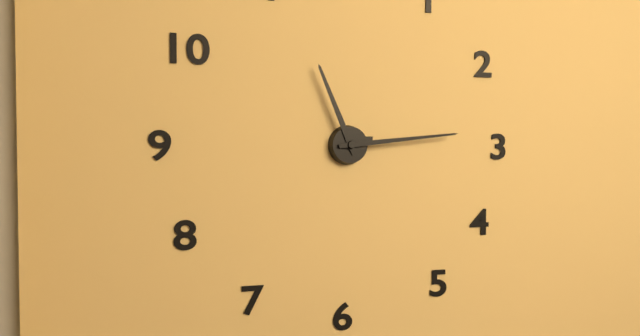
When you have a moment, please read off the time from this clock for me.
11:14
